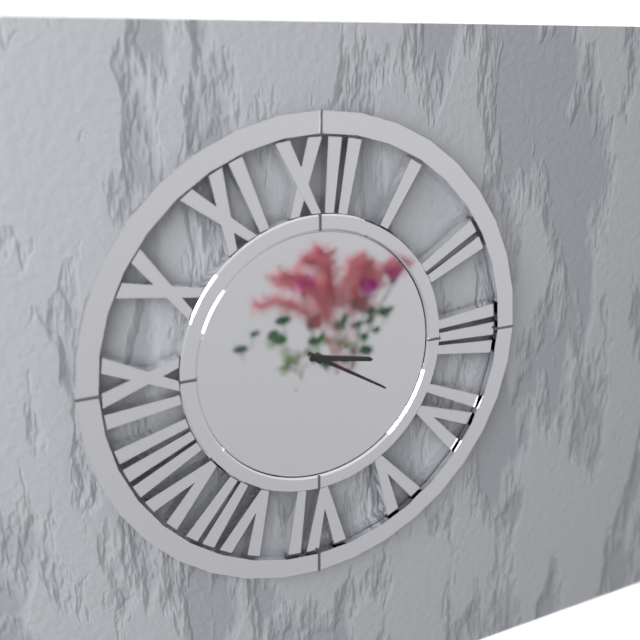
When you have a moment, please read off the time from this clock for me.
3:20
